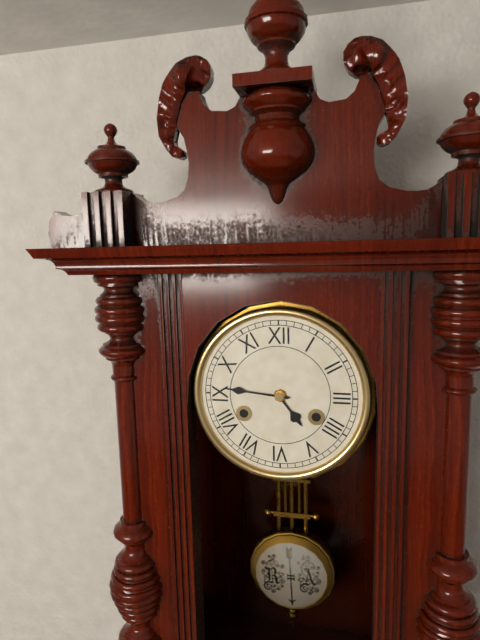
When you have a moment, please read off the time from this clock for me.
4:46
